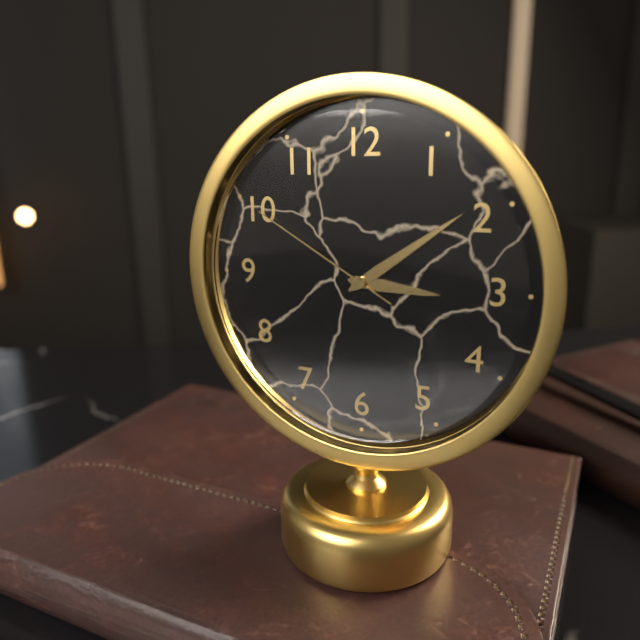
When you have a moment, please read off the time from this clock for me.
3:09:50
